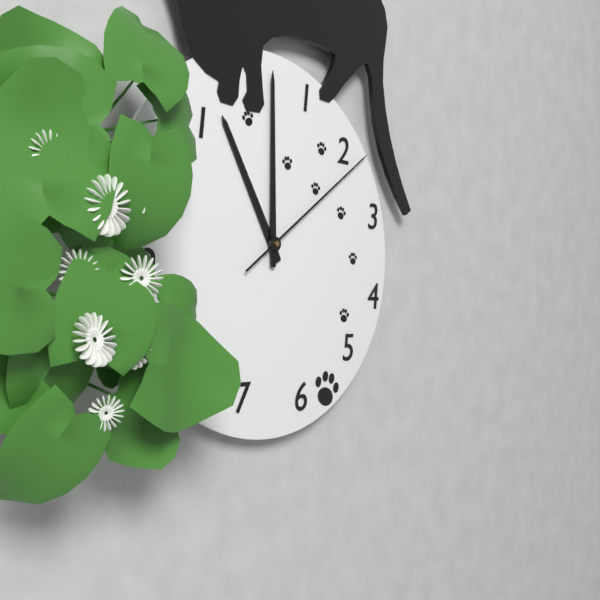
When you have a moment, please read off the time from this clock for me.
11:00:09
